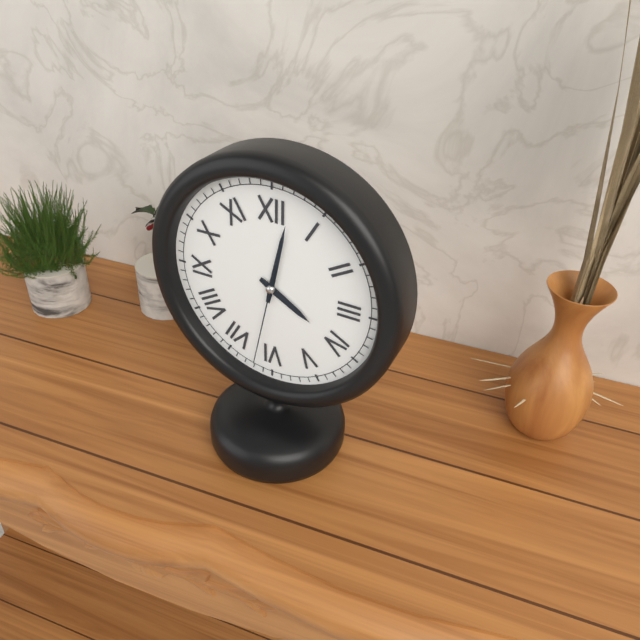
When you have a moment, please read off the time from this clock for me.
4:02:32
